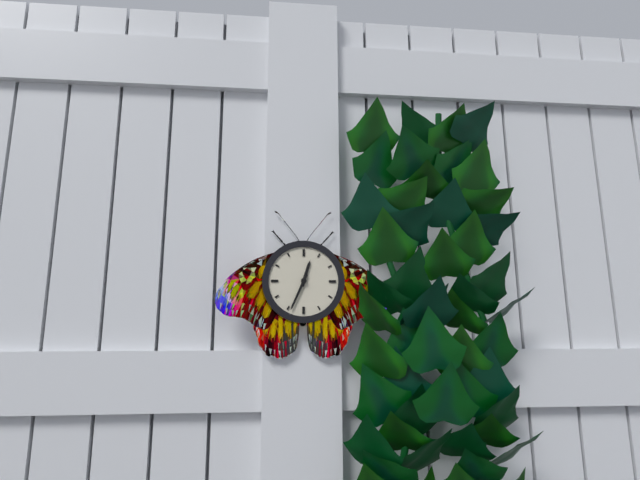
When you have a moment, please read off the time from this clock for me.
12:34
